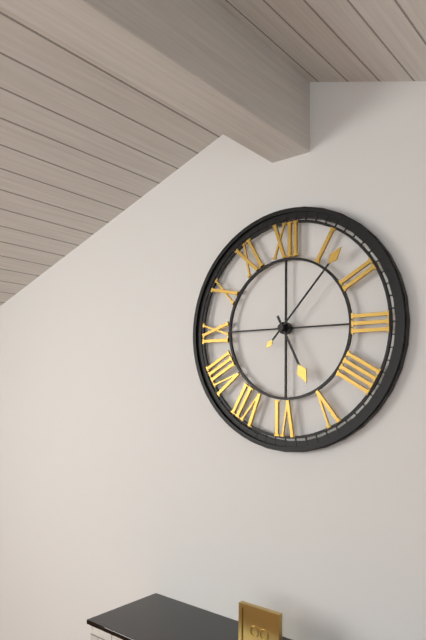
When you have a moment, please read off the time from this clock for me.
5:07
